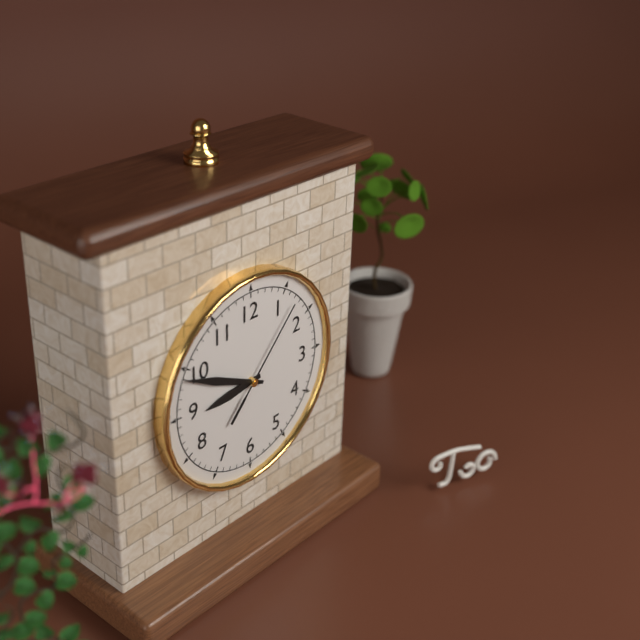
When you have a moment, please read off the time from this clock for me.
8:49:07
